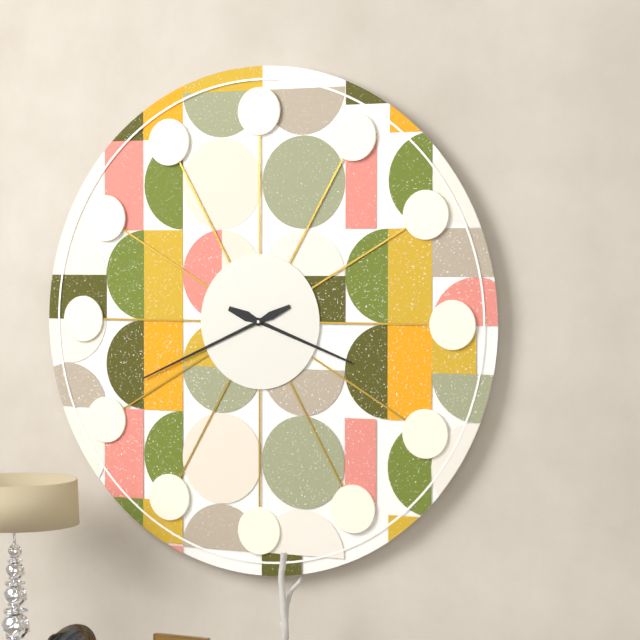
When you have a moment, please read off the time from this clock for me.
3:41
